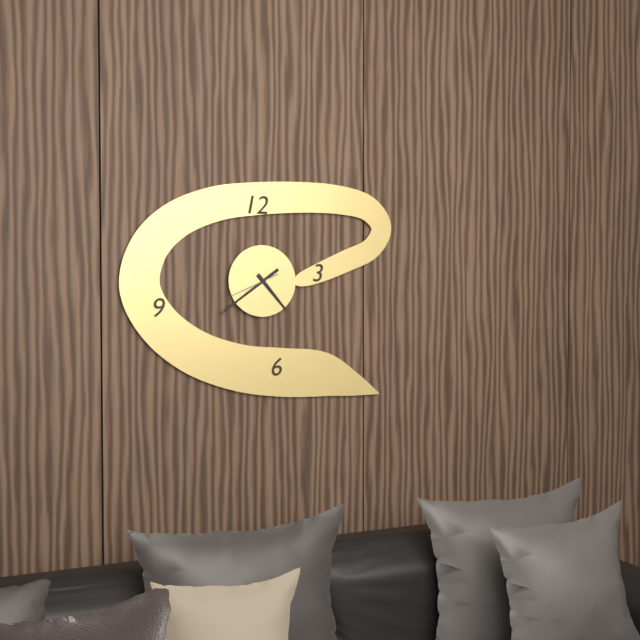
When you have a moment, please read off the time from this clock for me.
4:39:41
